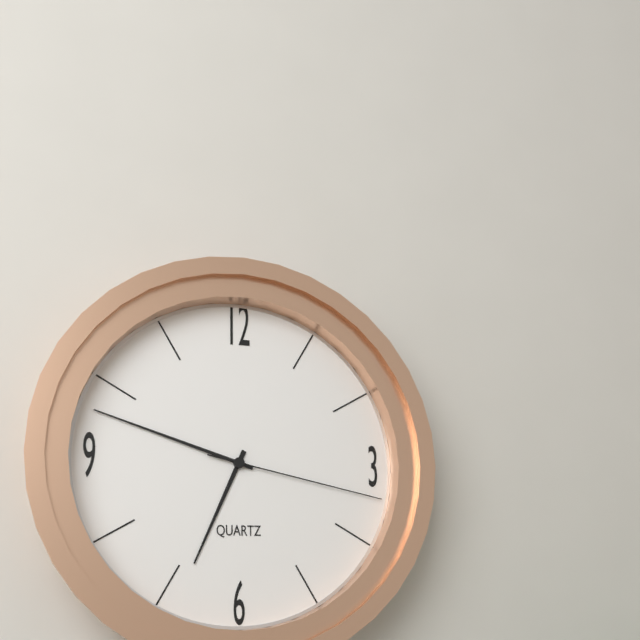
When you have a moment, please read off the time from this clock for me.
6:48:17
